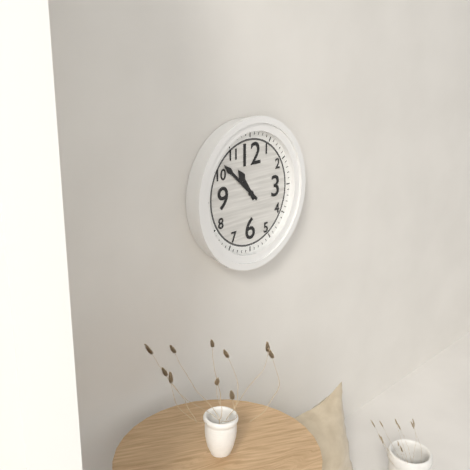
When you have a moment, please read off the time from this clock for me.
10:52
